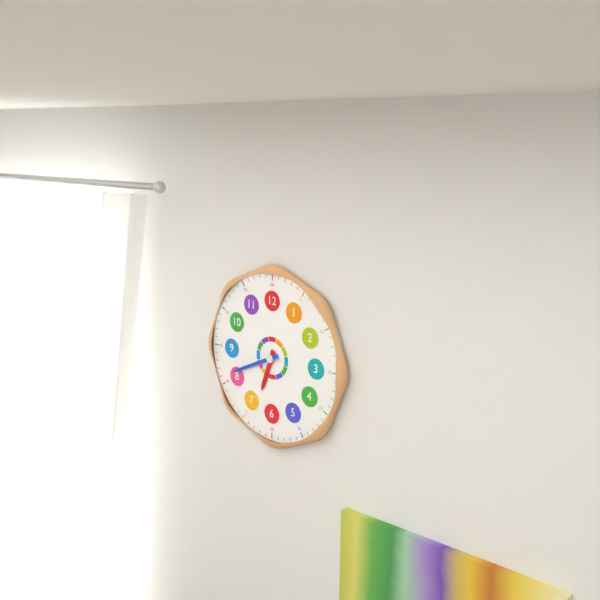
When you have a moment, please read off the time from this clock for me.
6:41
